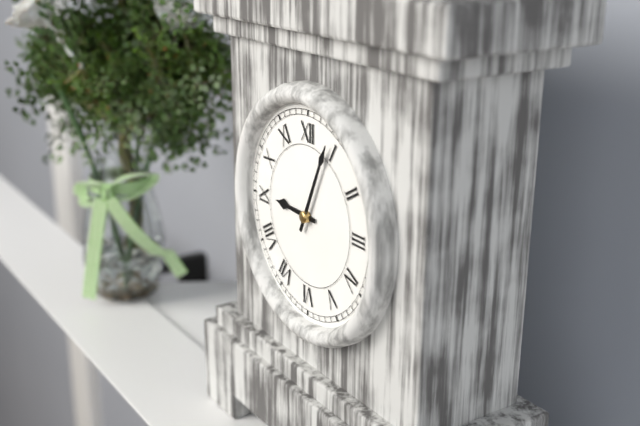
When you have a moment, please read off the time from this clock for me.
9:04
